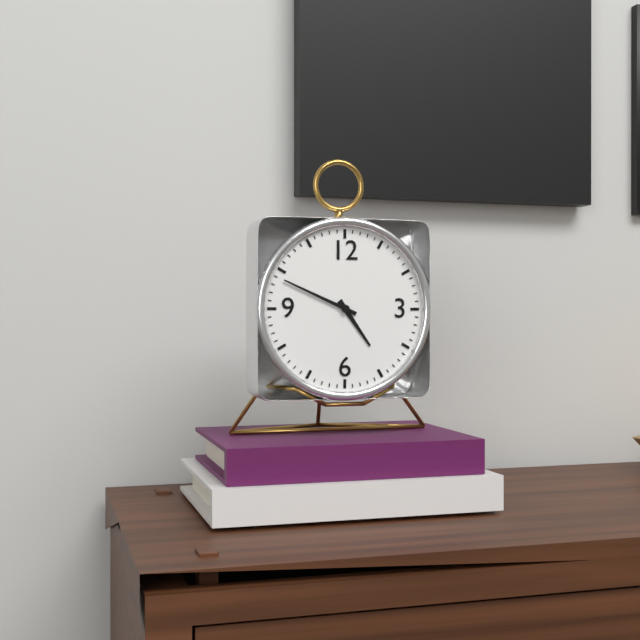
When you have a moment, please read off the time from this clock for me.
4:49
